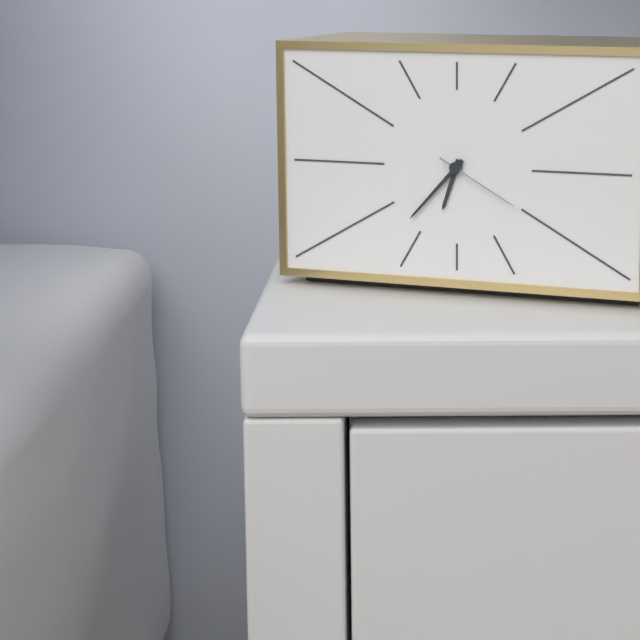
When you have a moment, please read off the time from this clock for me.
6:37:20
